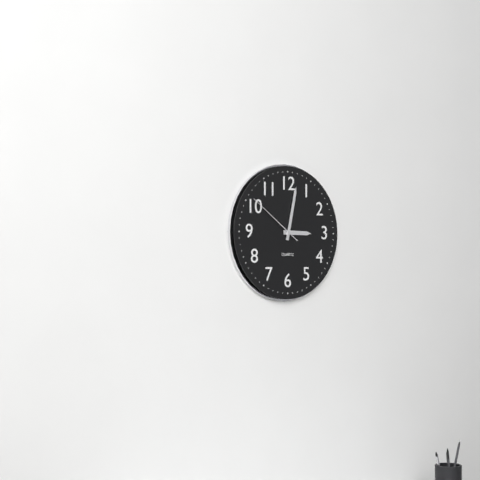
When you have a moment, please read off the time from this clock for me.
3:02:51
